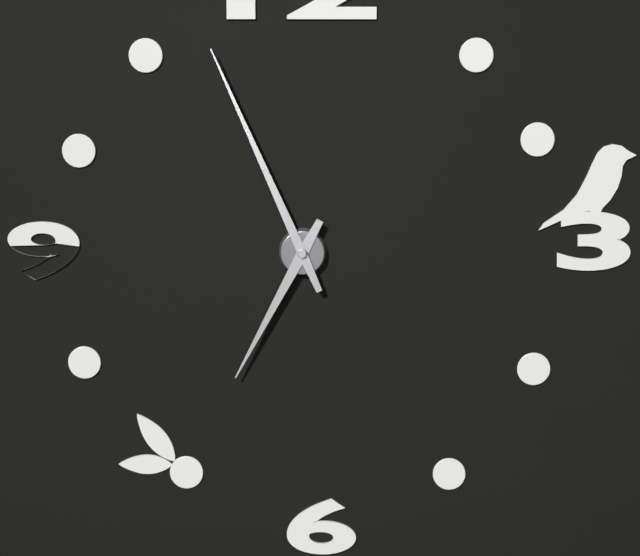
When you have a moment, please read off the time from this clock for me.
6:56
